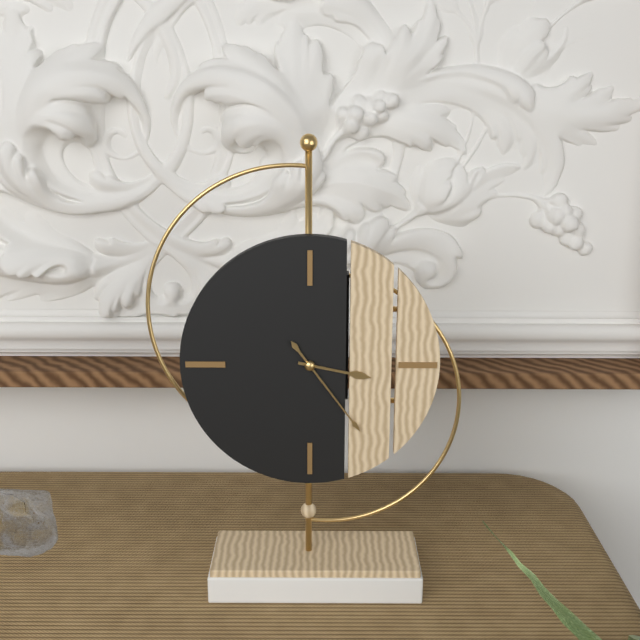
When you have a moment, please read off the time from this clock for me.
3:24
